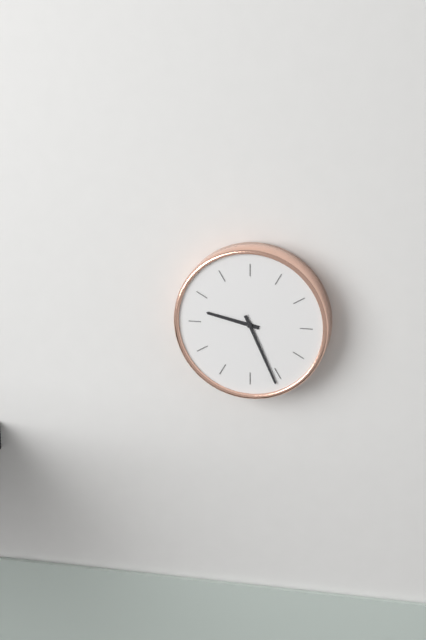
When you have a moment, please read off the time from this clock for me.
9:26
